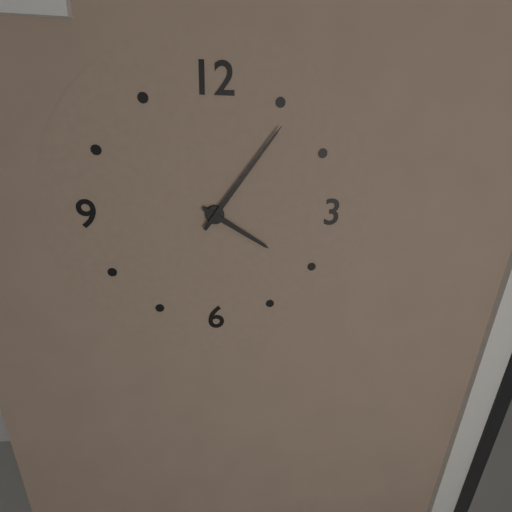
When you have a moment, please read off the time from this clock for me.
4:06
